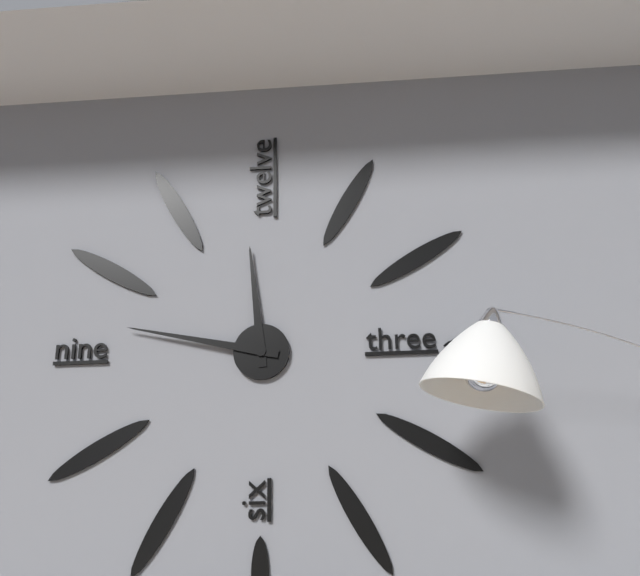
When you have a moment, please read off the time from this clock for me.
11:47
